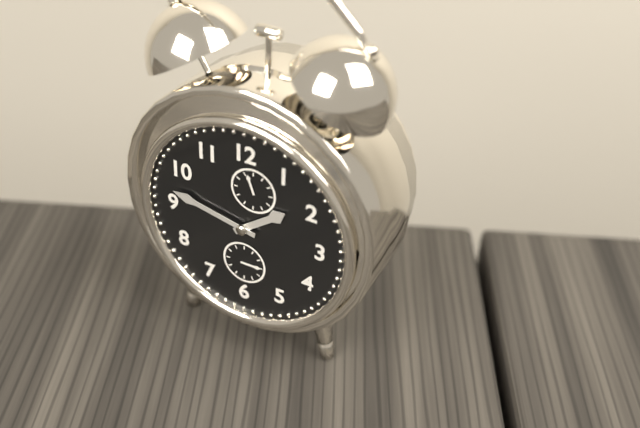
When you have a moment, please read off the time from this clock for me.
1:47
